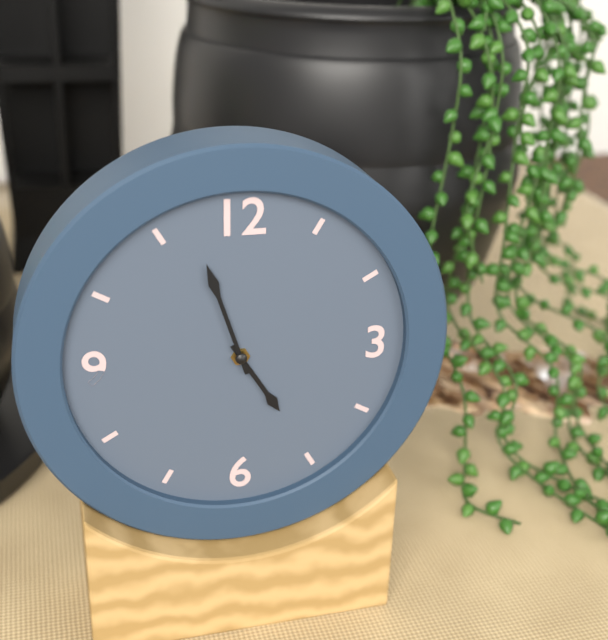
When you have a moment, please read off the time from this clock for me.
4:57
